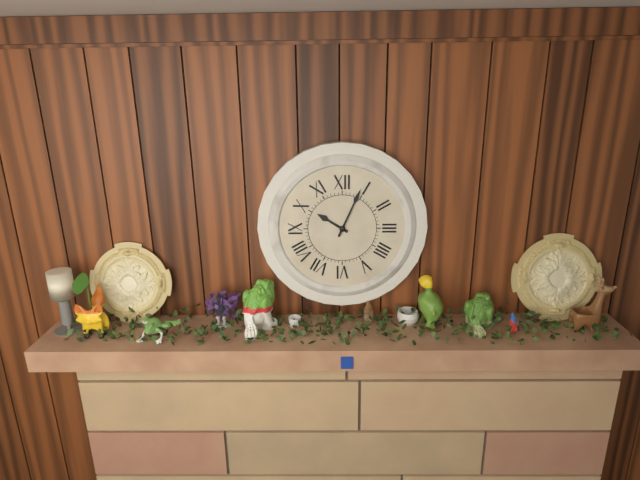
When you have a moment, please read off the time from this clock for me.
10:04
